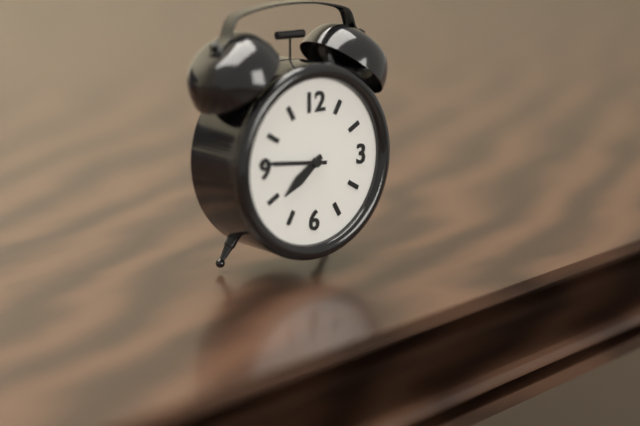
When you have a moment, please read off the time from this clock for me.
7:46
